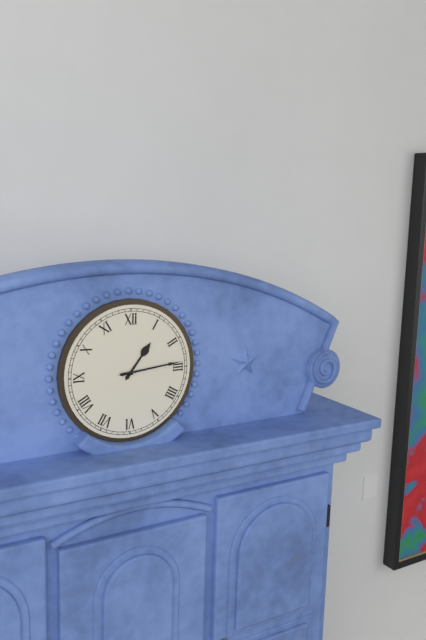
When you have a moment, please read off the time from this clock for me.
1:14
